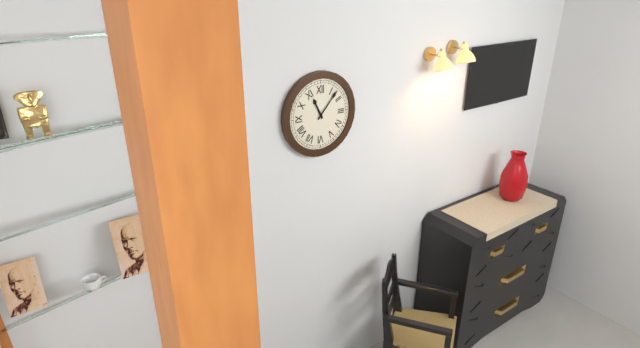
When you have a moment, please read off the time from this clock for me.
11:07
